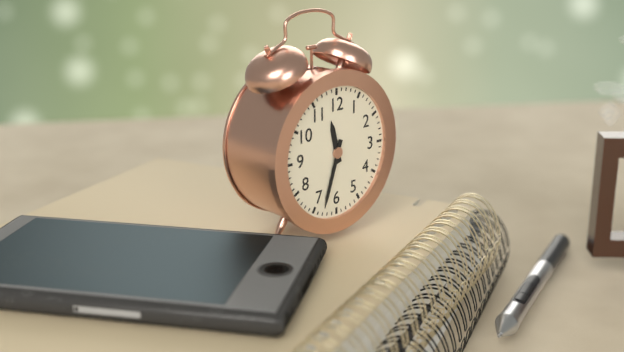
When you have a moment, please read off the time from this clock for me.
11:33
